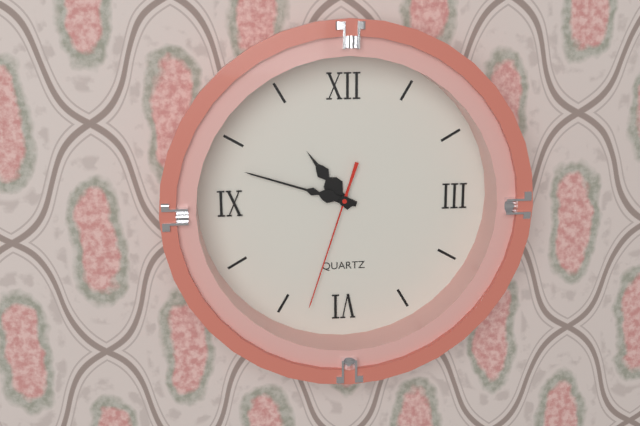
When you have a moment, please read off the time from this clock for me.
10:48:33
